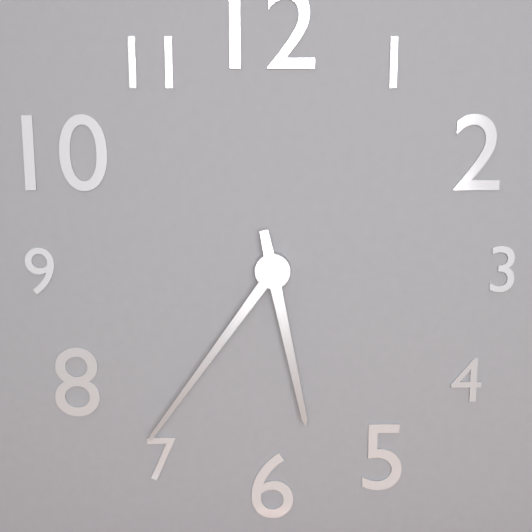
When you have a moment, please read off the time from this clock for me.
5:36
